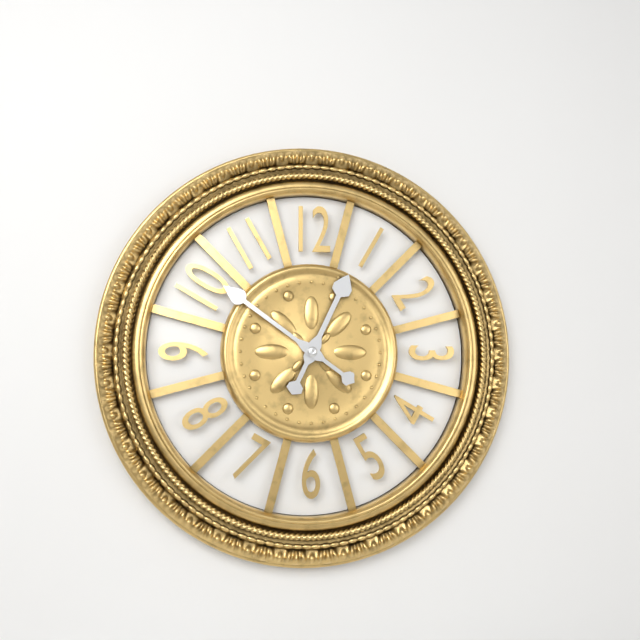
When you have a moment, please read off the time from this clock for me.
12:51
